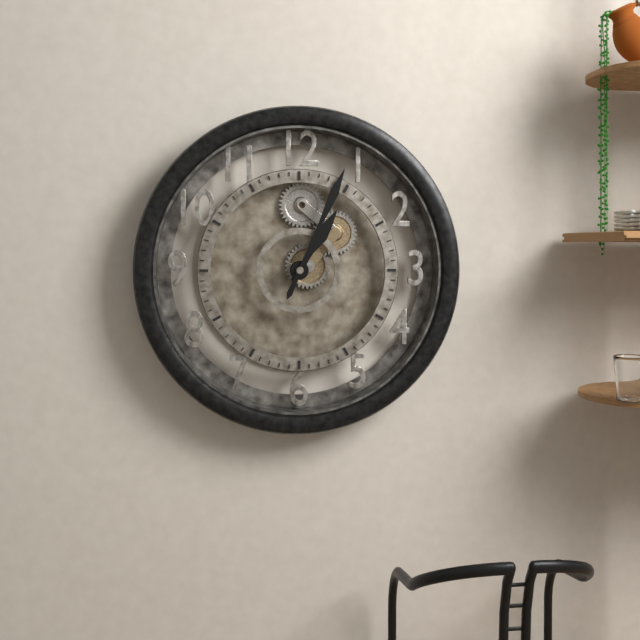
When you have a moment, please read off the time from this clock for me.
1:04
